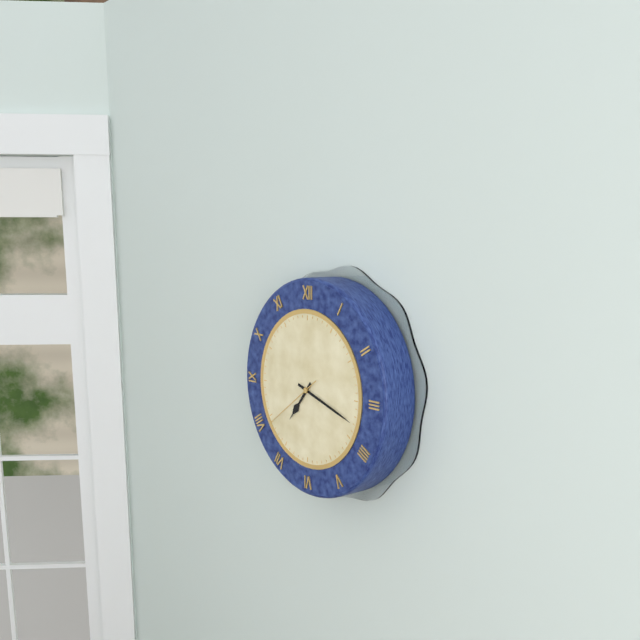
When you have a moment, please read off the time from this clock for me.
7:18:39
